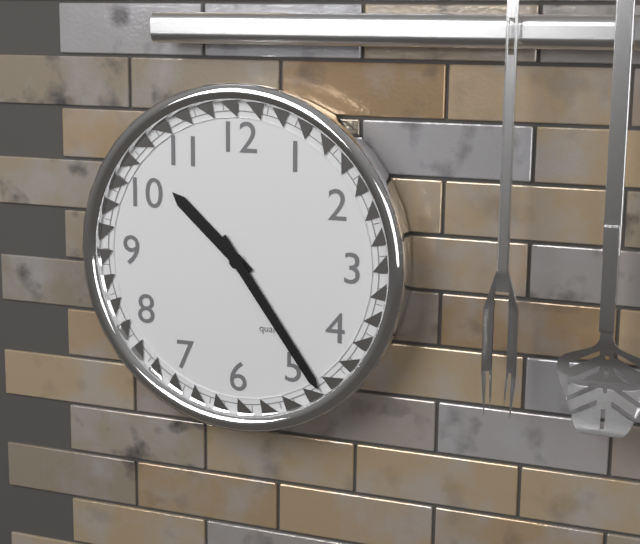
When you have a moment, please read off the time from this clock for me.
10:24
